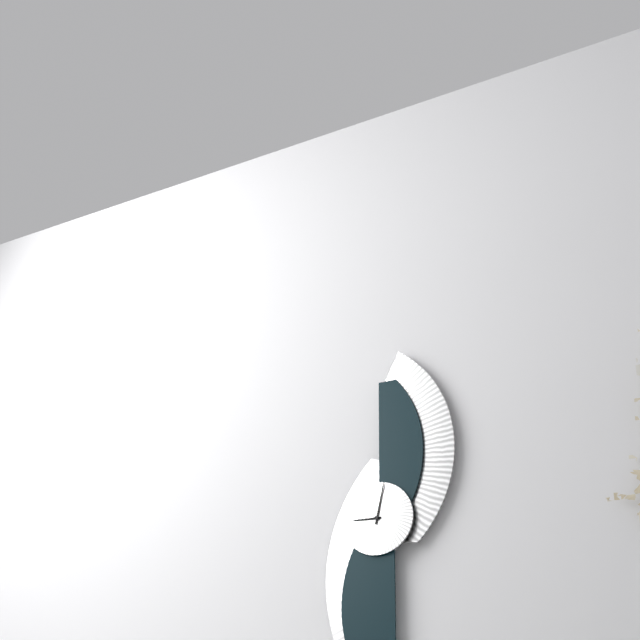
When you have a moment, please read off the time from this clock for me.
9:02
